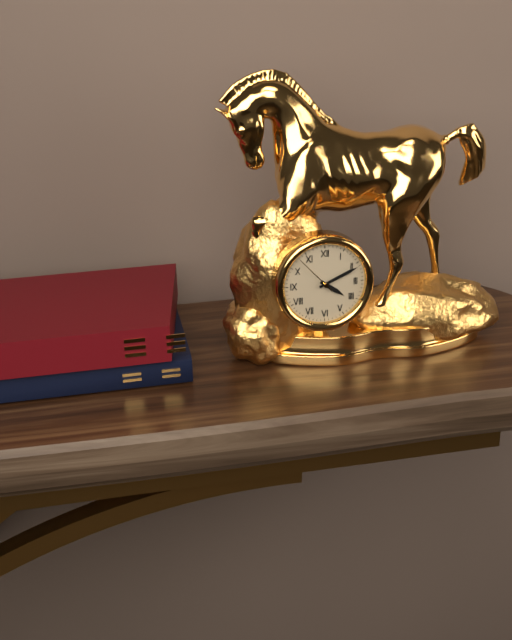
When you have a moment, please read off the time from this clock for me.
4:11
